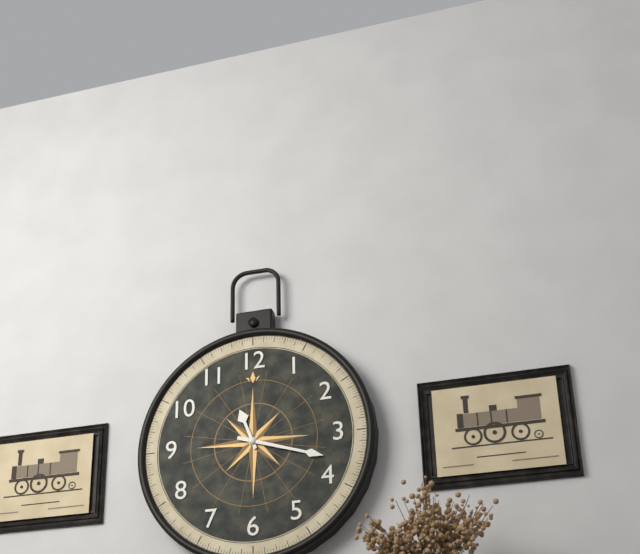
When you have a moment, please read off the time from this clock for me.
11:18
